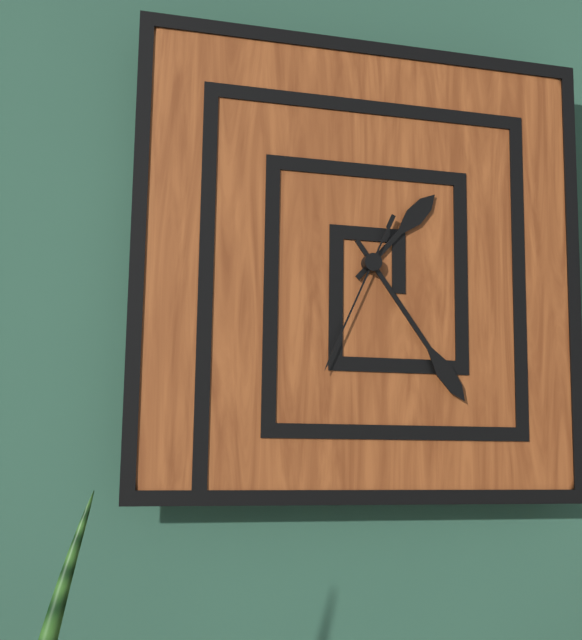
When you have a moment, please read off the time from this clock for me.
1:24:34
